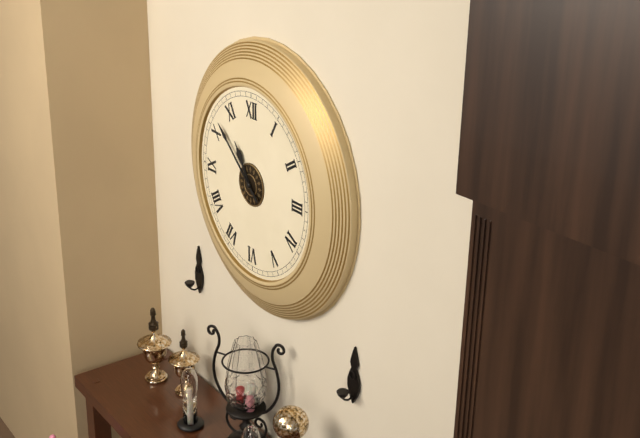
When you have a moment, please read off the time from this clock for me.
10:52
